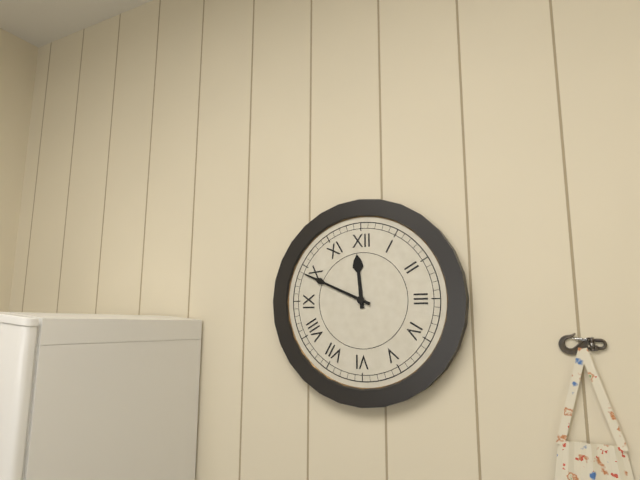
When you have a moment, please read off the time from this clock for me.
11:49
